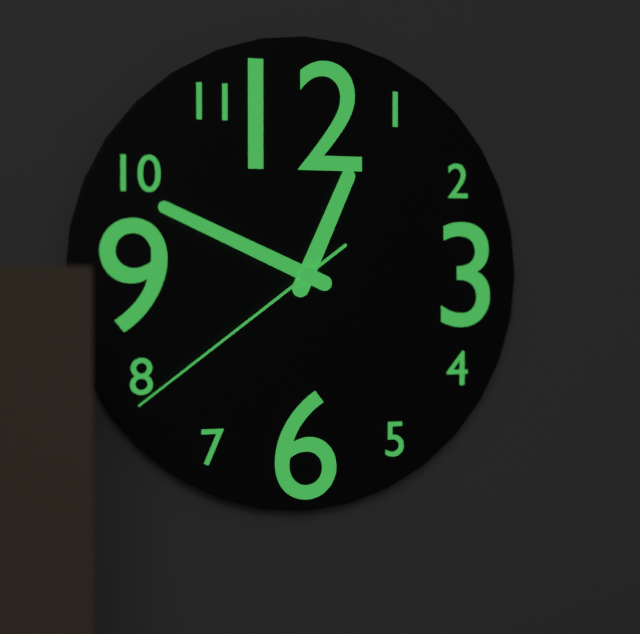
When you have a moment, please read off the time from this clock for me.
12:49:39
